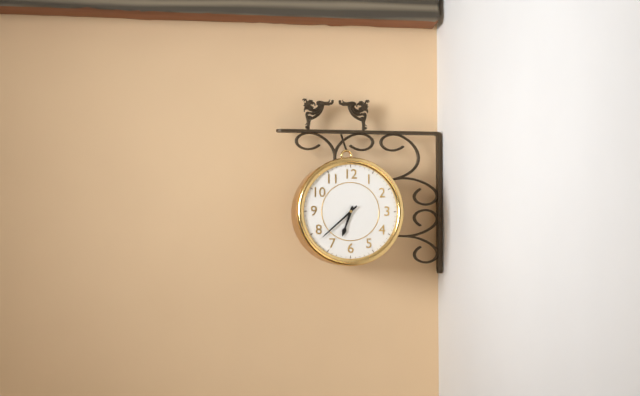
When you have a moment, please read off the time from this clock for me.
6:38
